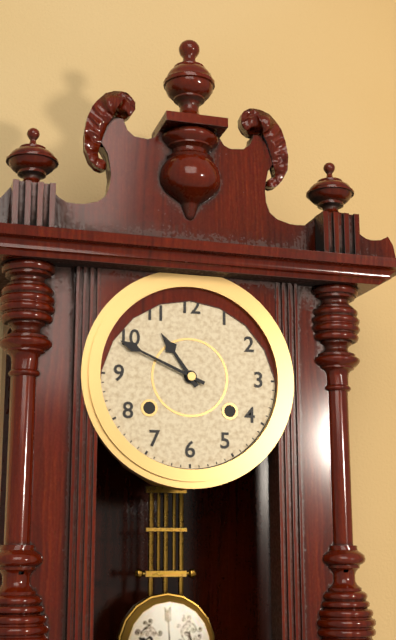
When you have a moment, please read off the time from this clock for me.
10:49
